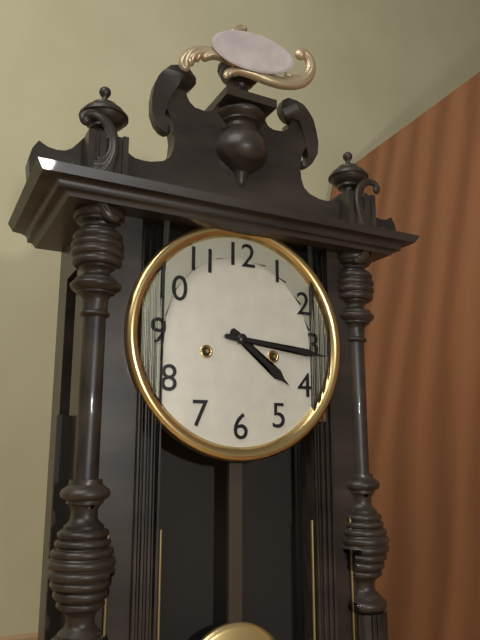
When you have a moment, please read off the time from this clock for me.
4:16
